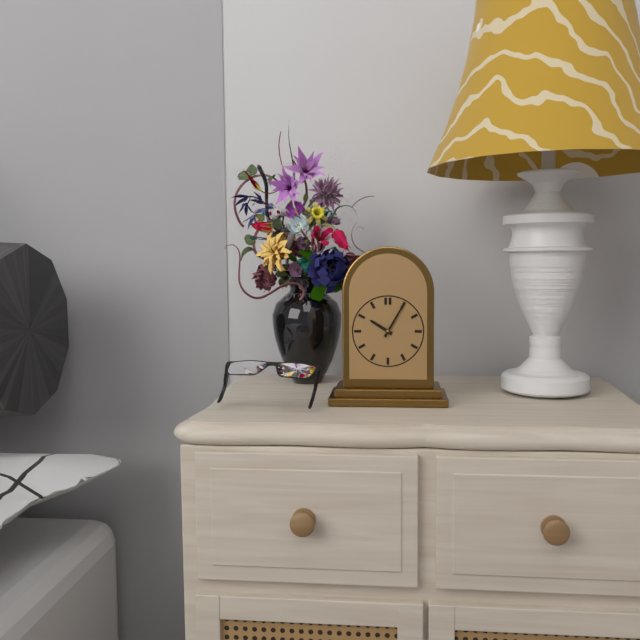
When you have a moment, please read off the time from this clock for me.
10:05
